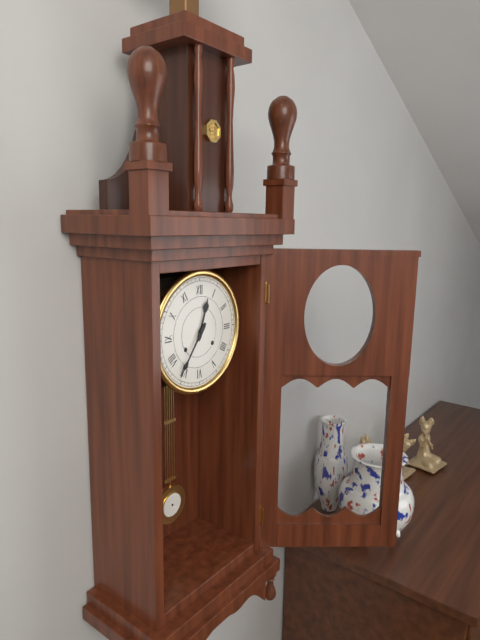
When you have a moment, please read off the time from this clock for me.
12:36
